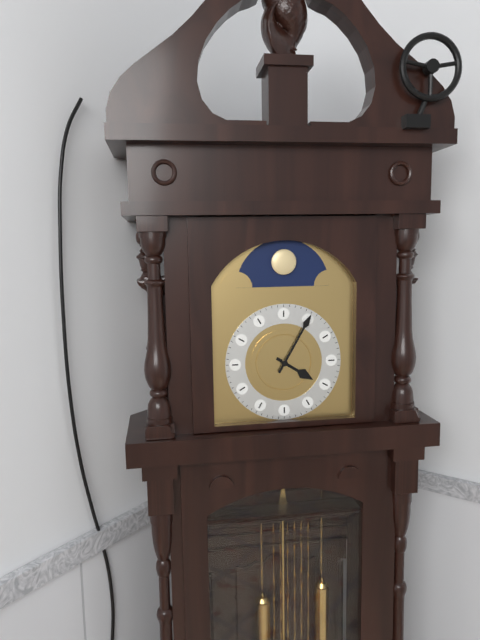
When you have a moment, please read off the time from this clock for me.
4:05
